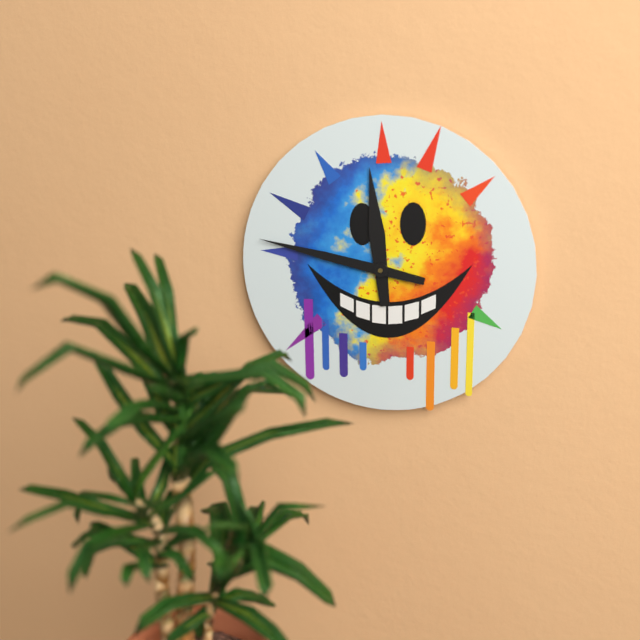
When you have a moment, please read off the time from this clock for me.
11:47
